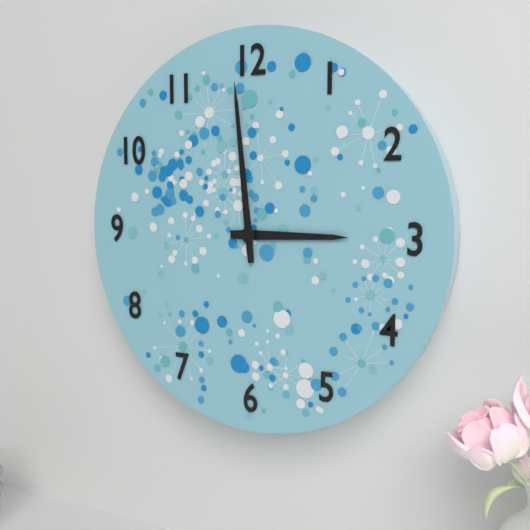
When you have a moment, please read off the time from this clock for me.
2:59
